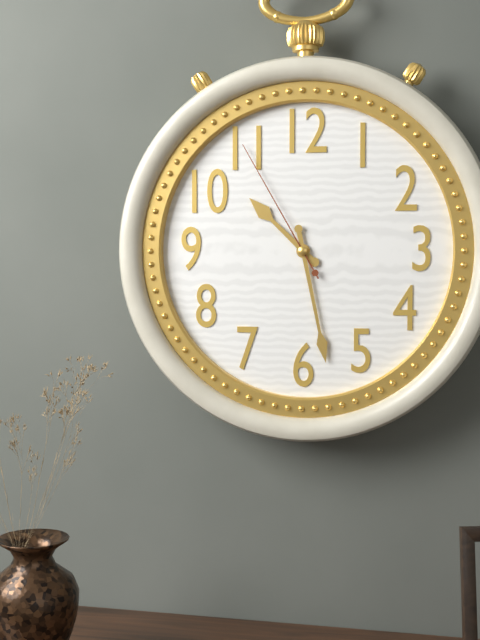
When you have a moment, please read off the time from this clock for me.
10:28:55
